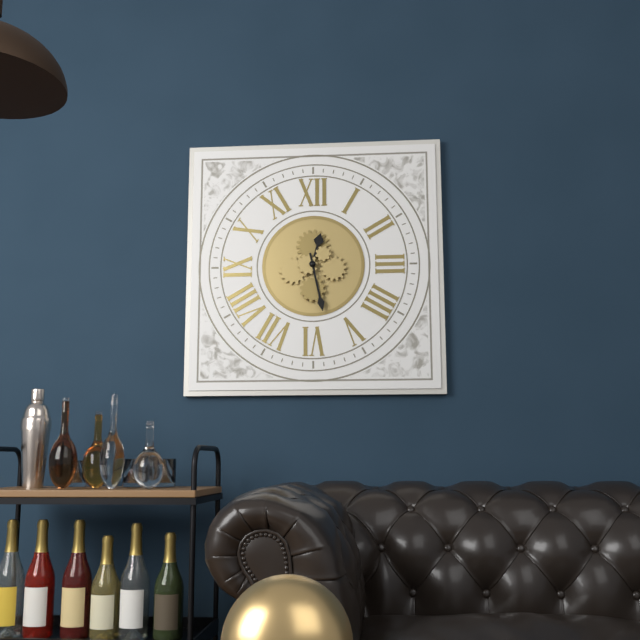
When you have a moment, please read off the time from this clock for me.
12:28
